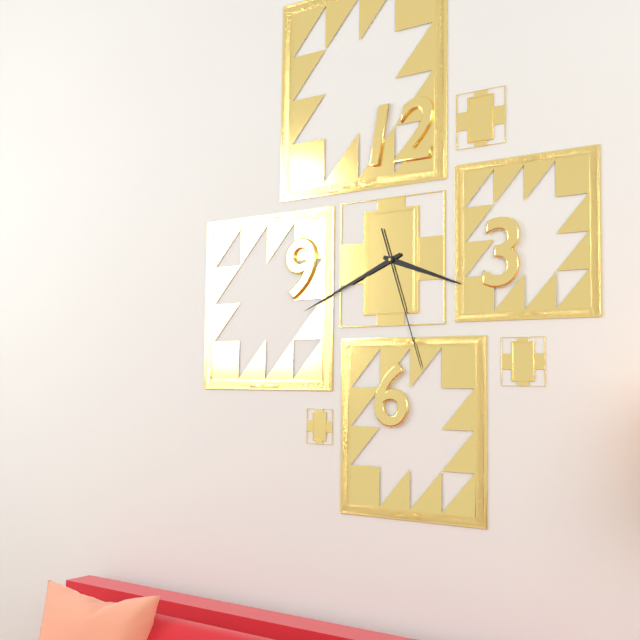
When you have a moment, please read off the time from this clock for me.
3:41:27
